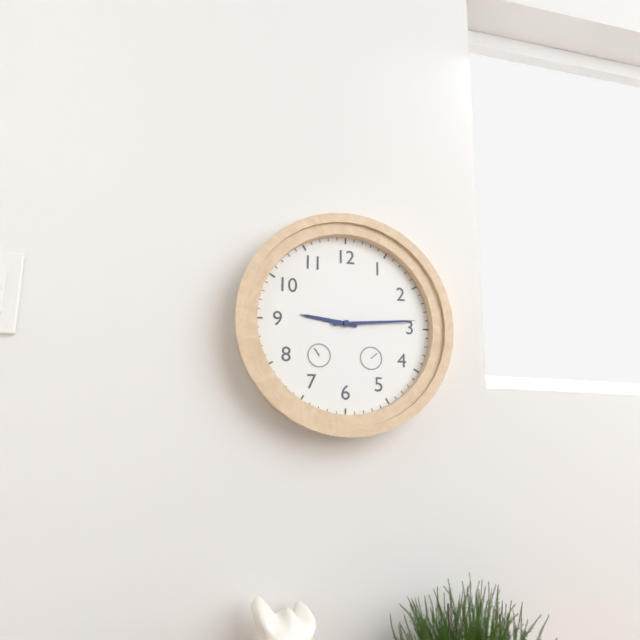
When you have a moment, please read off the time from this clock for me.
9:14
